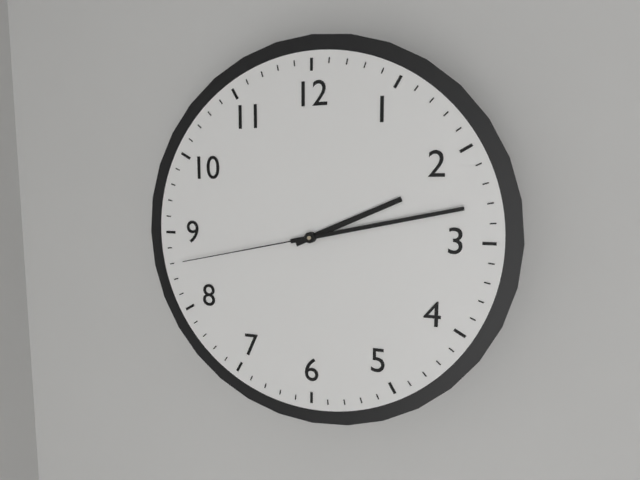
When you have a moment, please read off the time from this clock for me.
2:13:43
